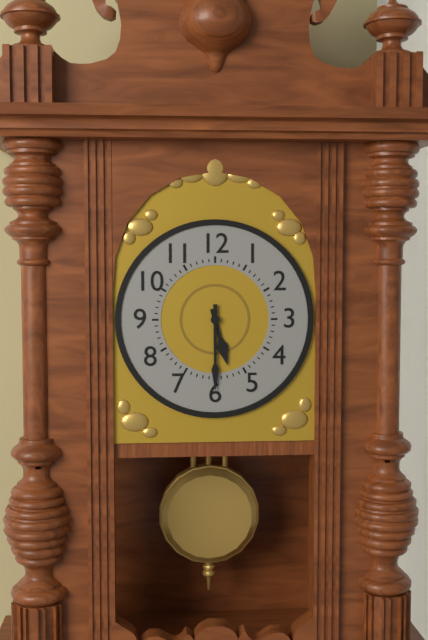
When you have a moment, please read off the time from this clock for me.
5:30
